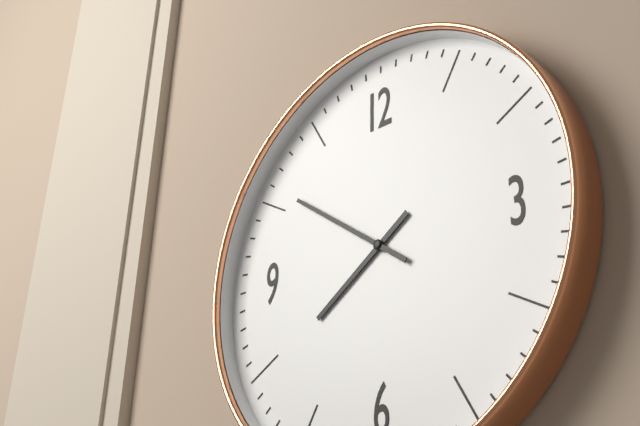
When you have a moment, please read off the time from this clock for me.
7:51
